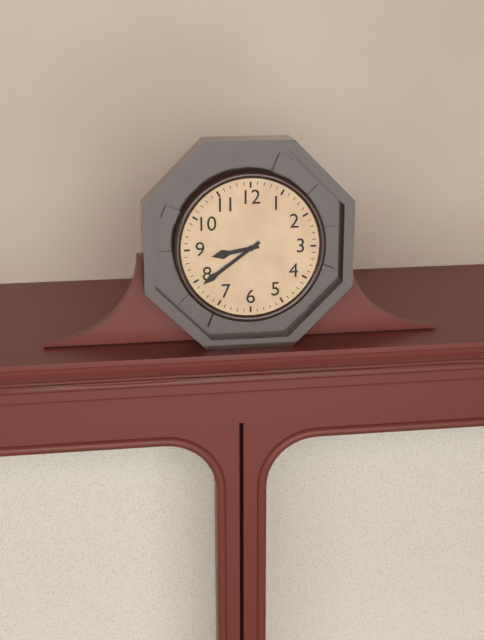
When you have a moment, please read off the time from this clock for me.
8:39
